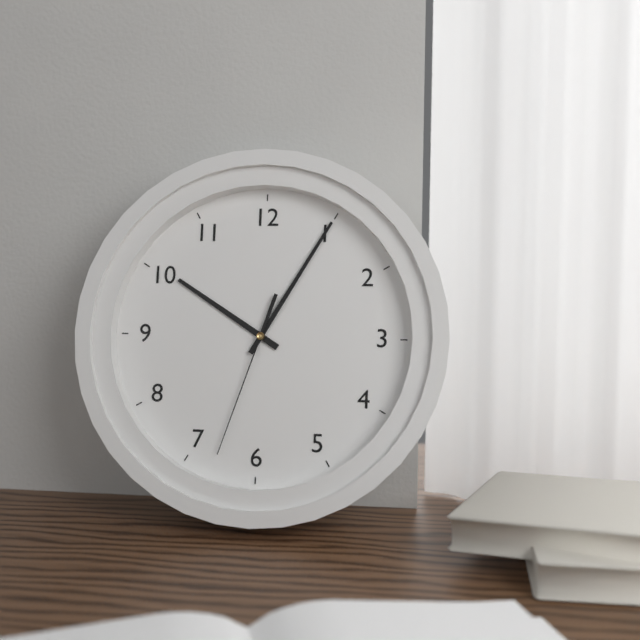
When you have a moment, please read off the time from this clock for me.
10:05:33
